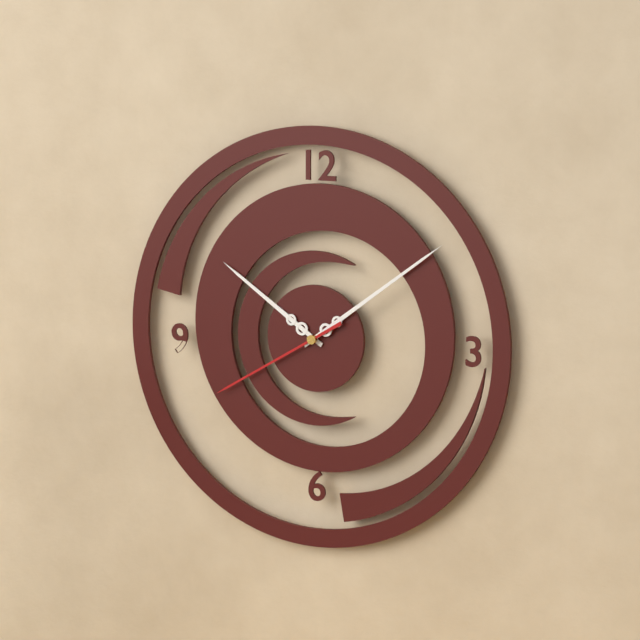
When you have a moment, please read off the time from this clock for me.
10:09:40
